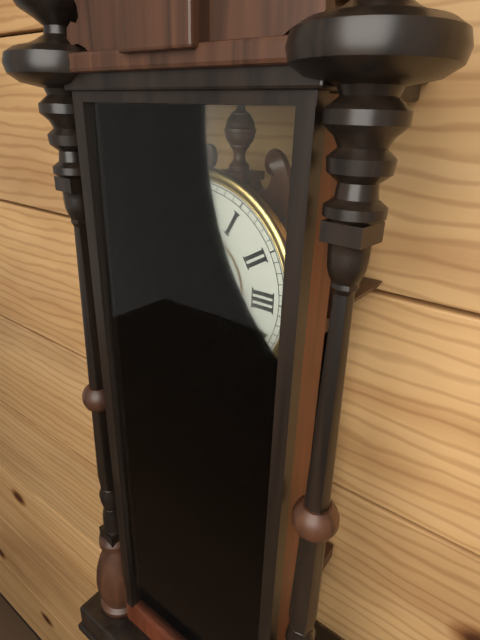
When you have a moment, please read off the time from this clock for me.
3:20
